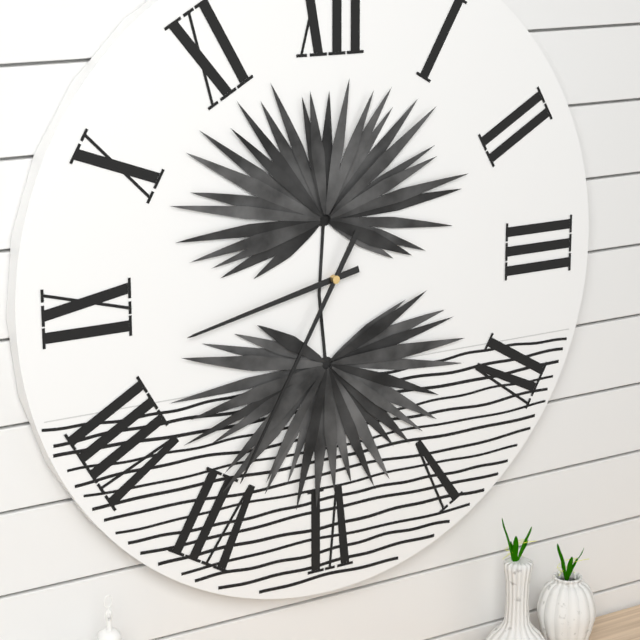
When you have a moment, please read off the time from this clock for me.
8:35
